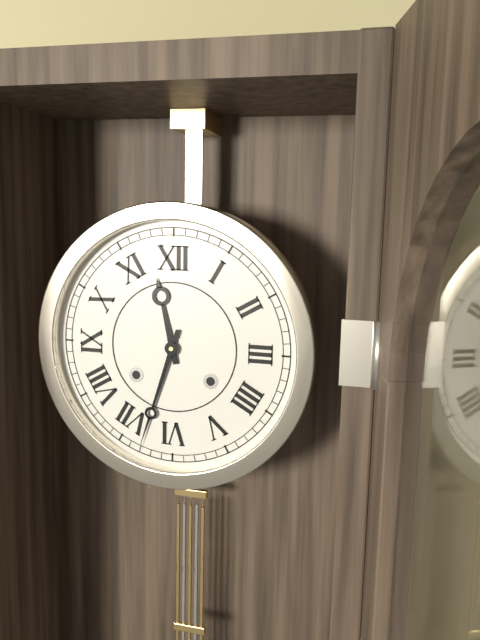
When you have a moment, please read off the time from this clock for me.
11:33
